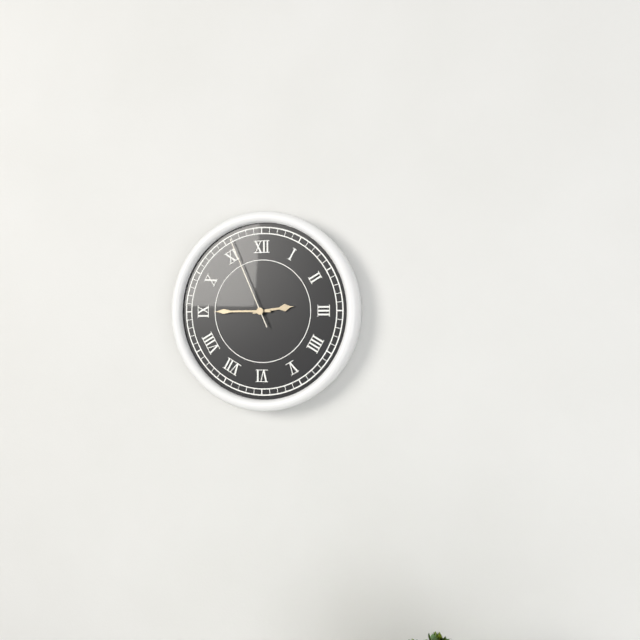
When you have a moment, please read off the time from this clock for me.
2:45:56
